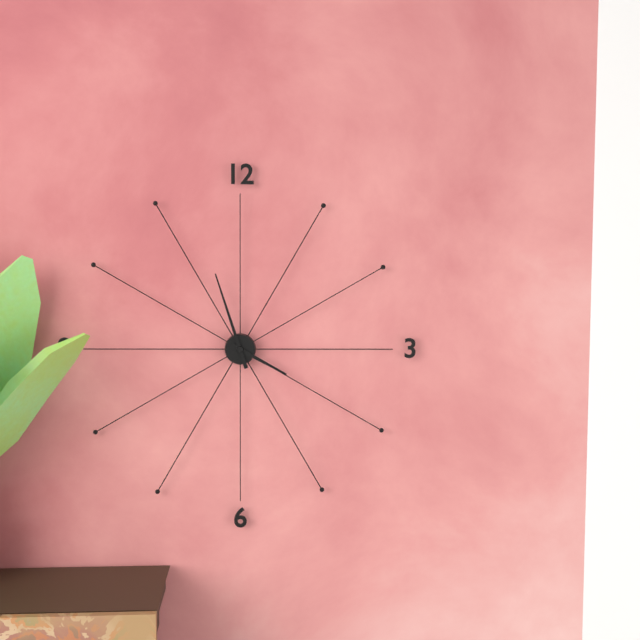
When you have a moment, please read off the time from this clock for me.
3:57
